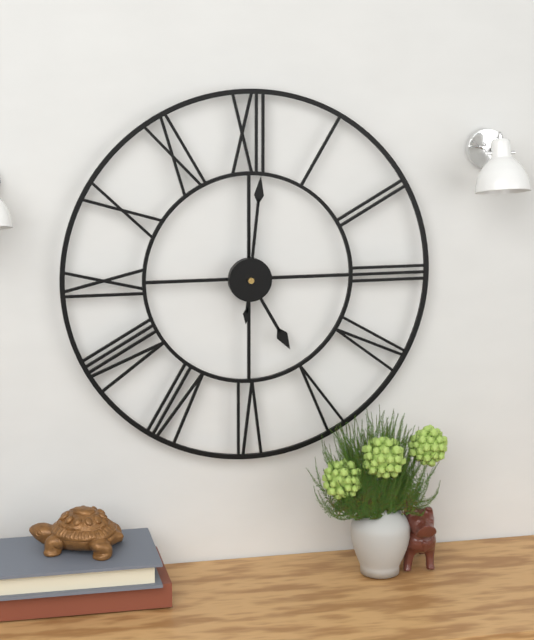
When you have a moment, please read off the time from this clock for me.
5:01
